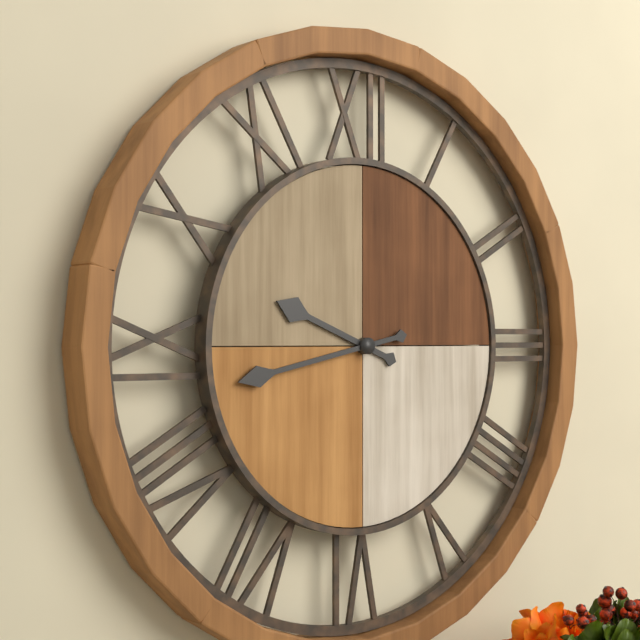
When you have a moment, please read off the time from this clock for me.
9:43
